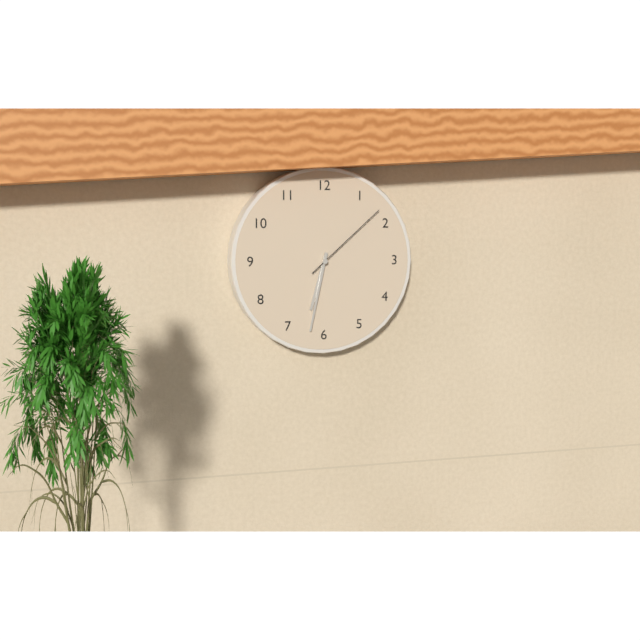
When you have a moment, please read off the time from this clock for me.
6:32:08
